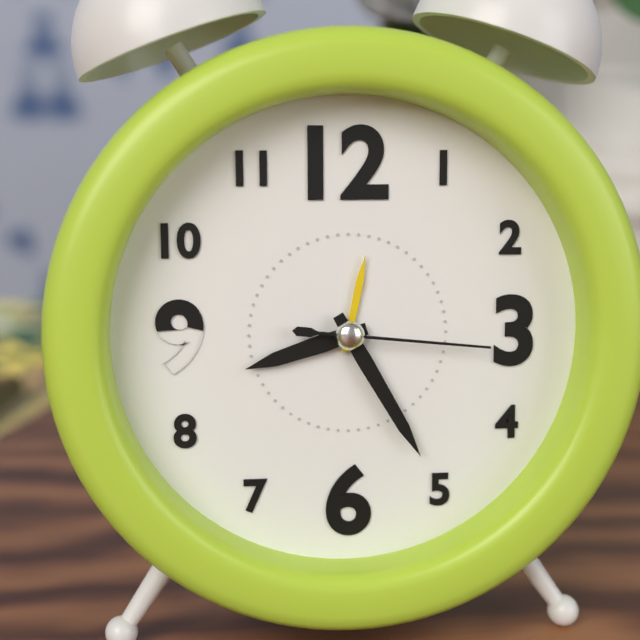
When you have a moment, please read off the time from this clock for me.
8:25:16
